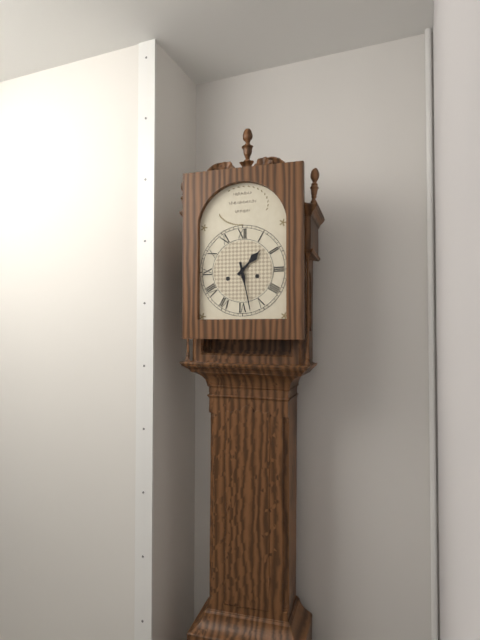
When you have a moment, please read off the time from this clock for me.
1:28
